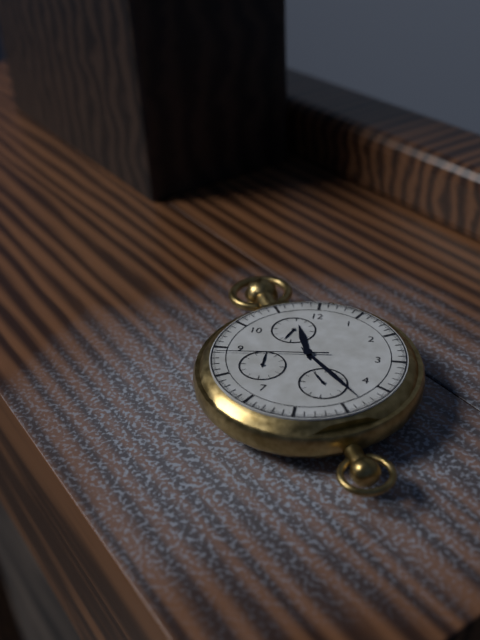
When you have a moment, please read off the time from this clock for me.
11:23:44
